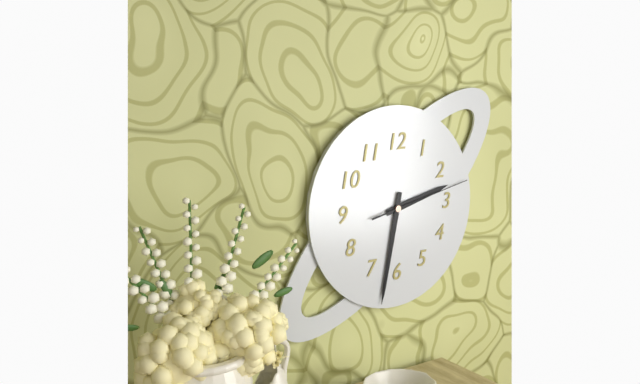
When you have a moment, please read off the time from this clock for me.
2:32:13
